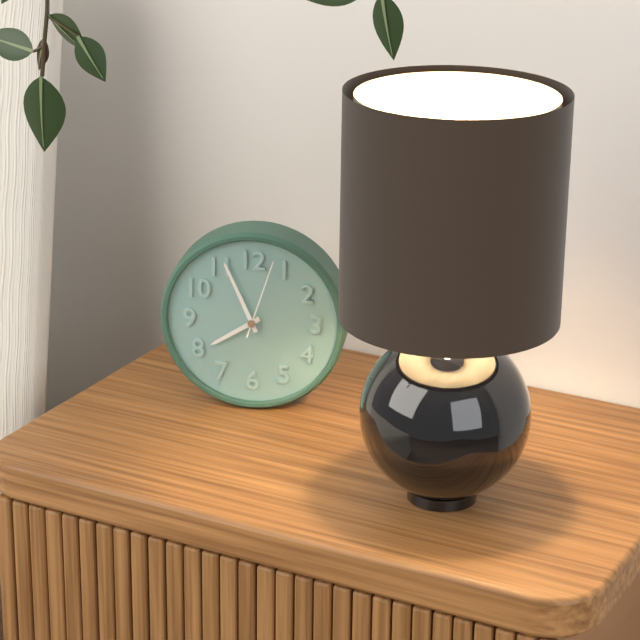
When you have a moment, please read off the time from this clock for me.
7:56:03
